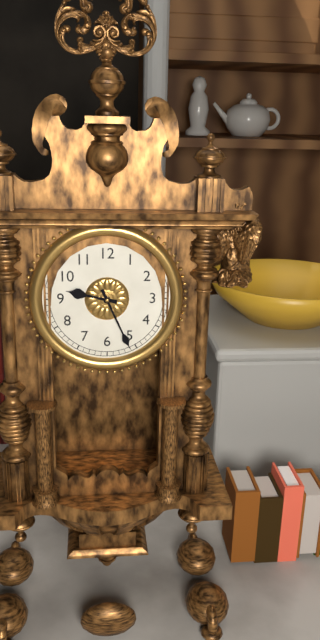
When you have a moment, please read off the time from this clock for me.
9:26
